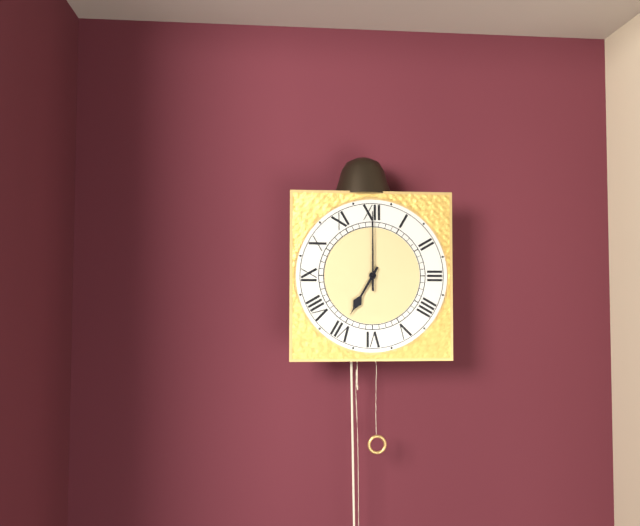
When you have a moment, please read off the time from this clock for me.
7:00
